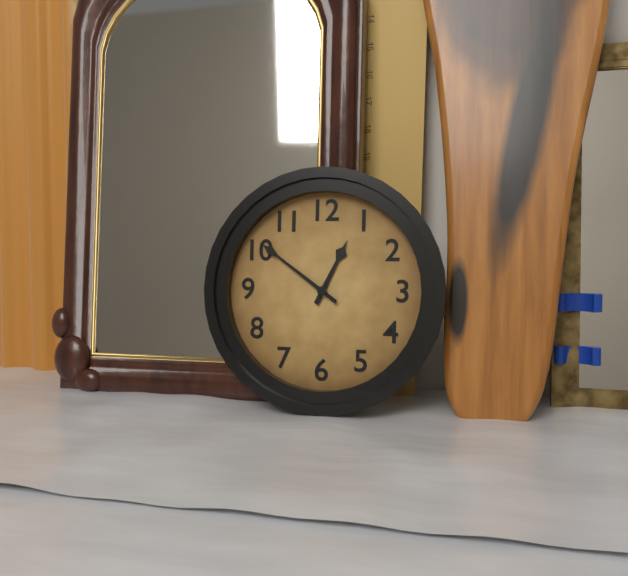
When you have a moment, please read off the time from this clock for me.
12:51
